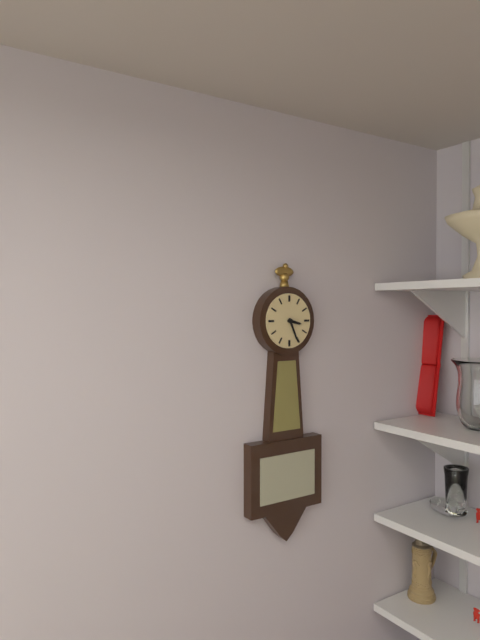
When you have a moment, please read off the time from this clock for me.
3:26
